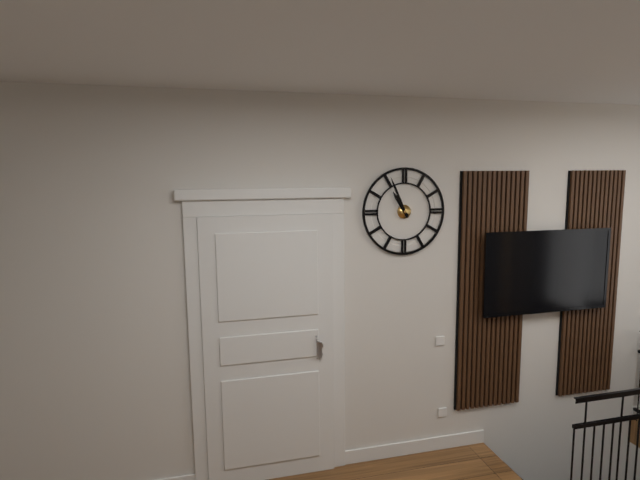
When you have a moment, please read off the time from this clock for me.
10:56
